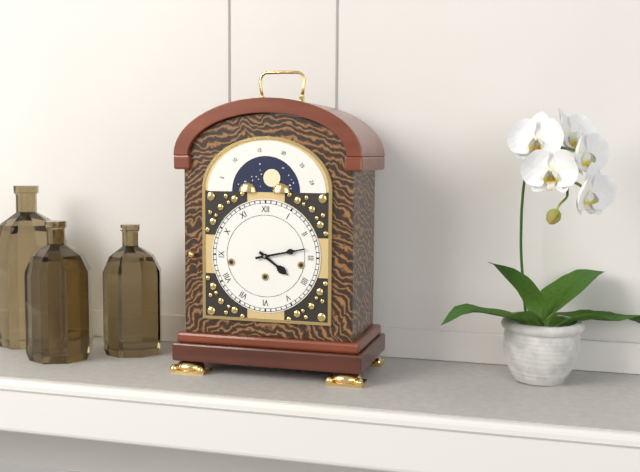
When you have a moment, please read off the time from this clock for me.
4:13
